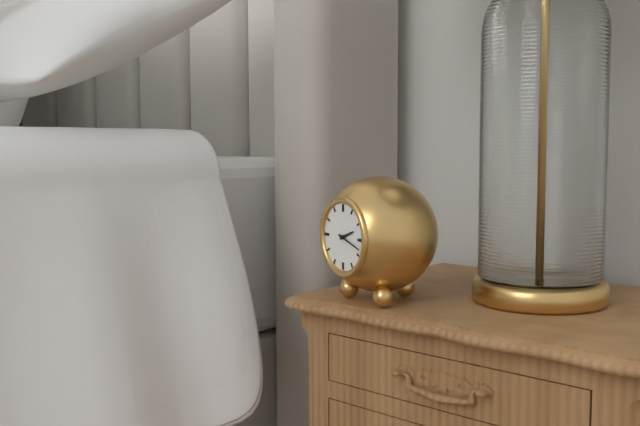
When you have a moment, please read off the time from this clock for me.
2:18
